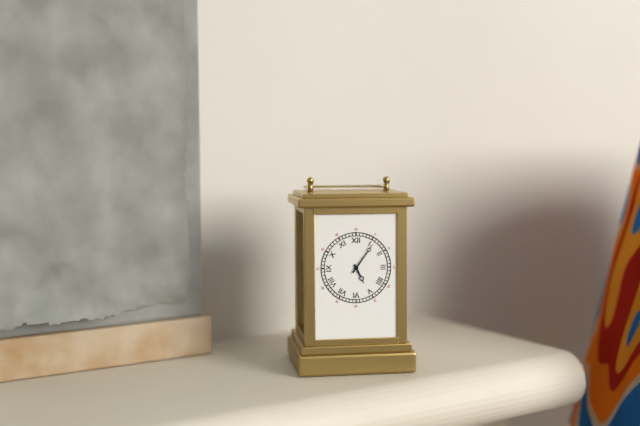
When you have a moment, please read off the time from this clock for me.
5:06
